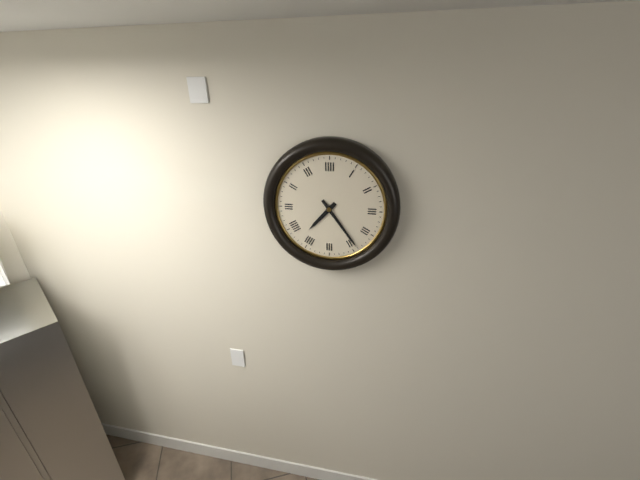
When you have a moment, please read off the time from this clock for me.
7:24
